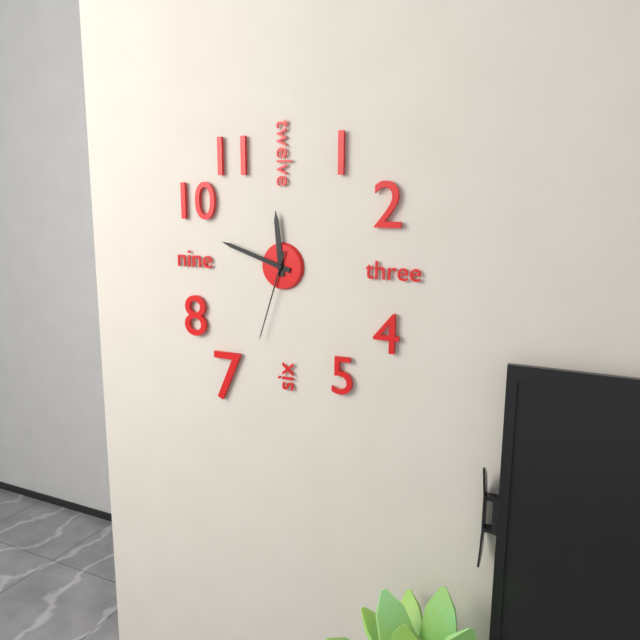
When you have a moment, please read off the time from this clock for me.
11:48:33
